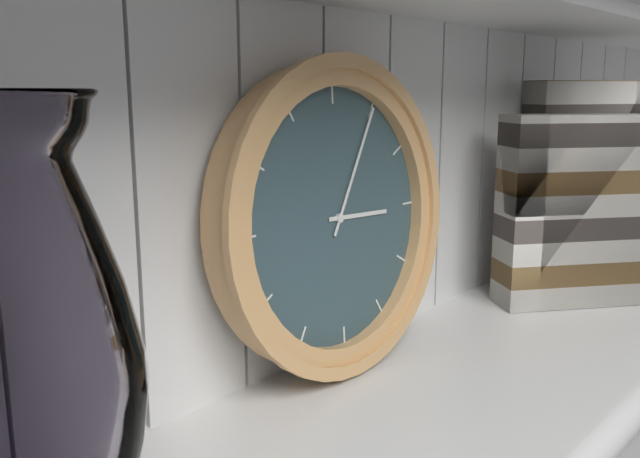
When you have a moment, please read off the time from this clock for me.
3:05
